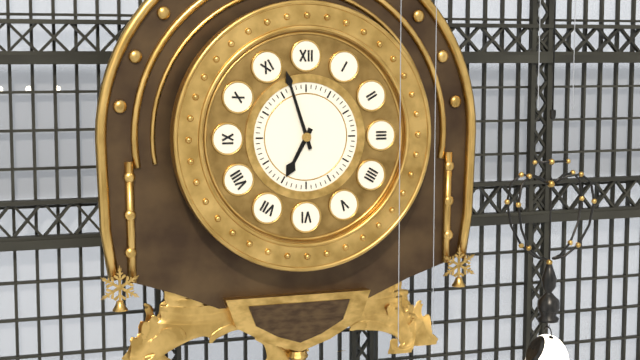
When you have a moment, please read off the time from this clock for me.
6:57
